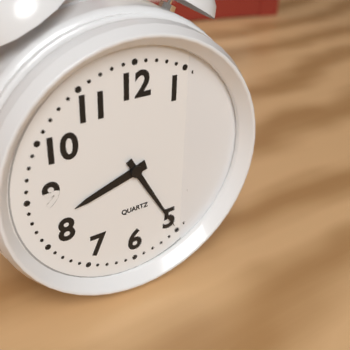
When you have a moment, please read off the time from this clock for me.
8:25
